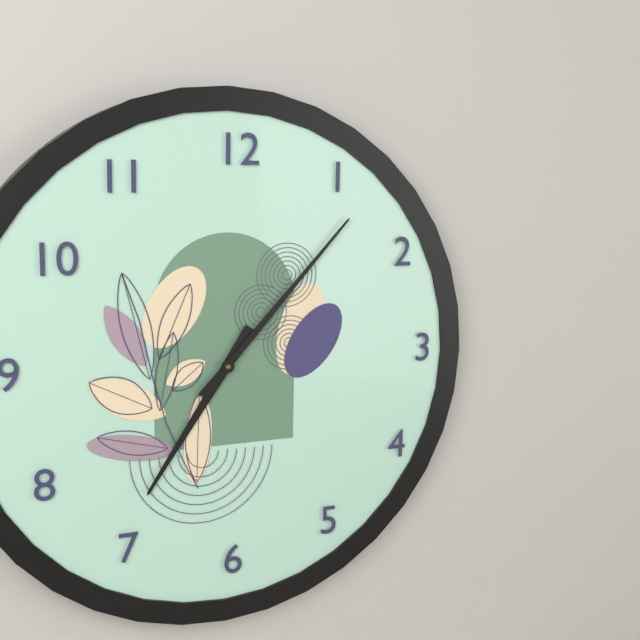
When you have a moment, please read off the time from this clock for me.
7:07
